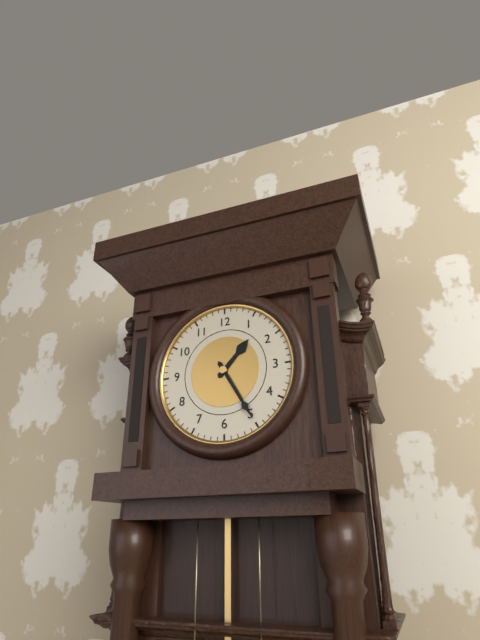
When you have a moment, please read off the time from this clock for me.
1:25
